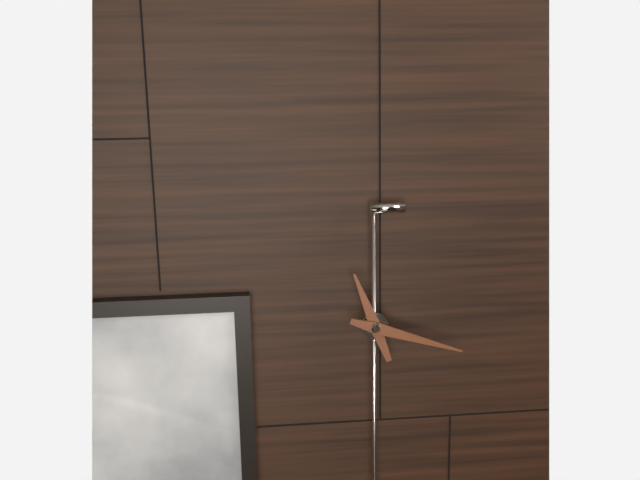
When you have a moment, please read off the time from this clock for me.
11:18
